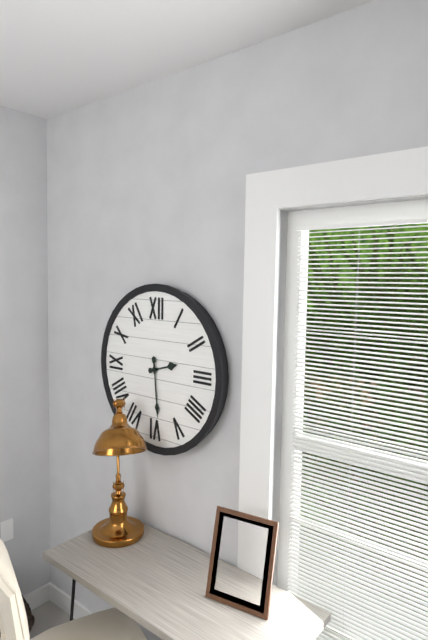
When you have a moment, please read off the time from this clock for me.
2:29
